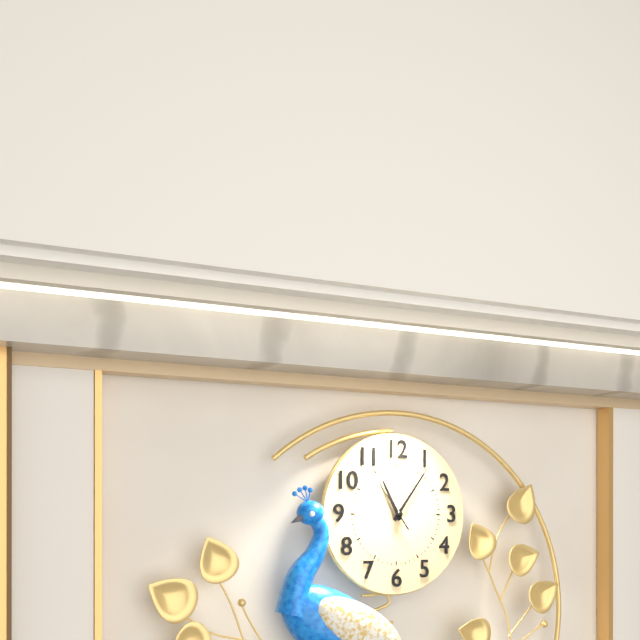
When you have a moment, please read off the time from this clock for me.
11:06:54
